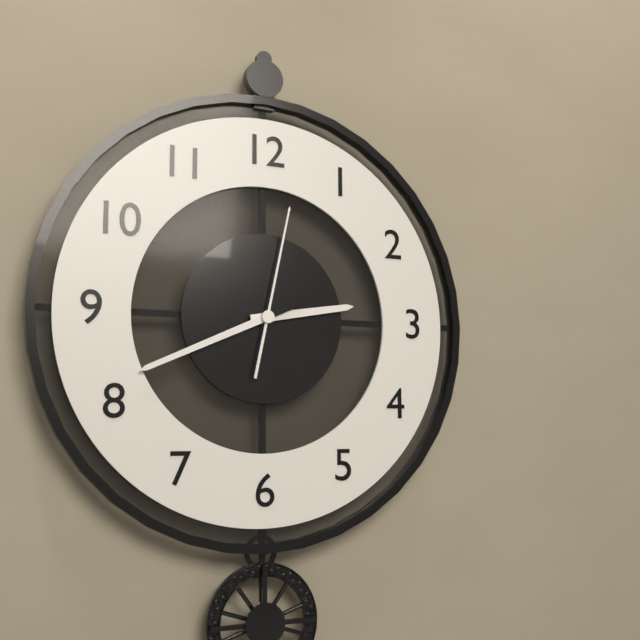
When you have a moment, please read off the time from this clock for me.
2:41:02
